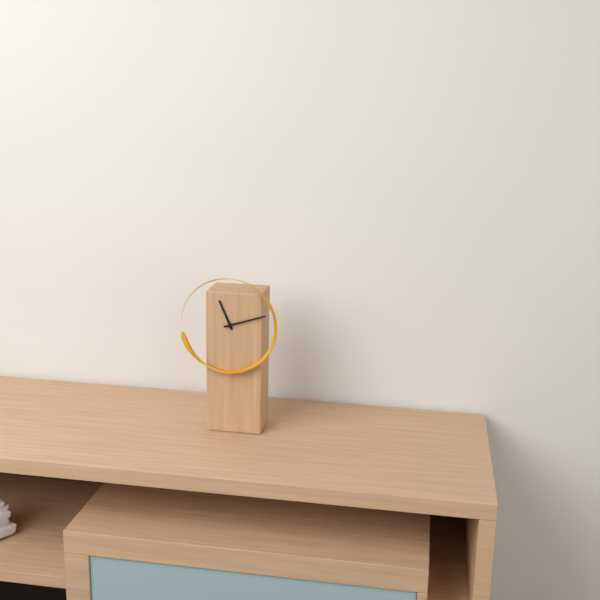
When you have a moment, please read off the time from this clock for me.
11:12
